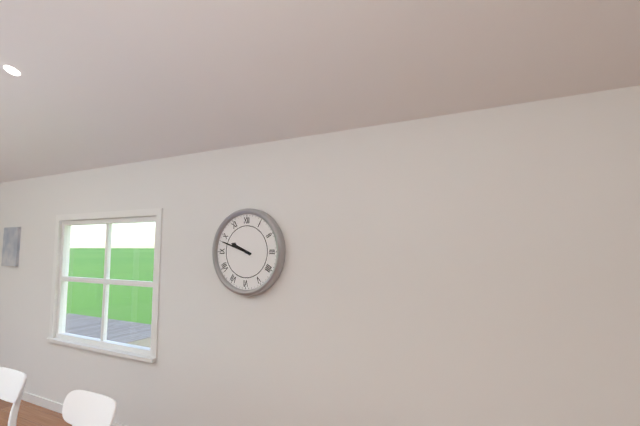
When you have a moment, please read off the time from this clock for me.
9:48
